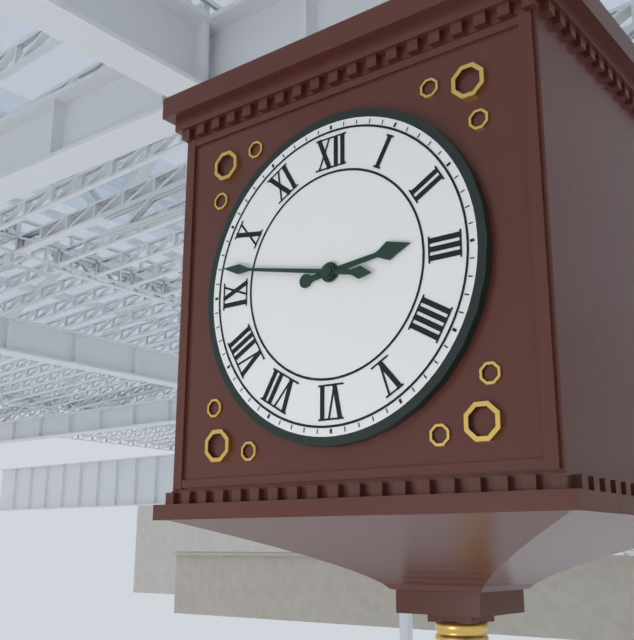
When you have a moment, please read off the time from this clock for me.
2:47
